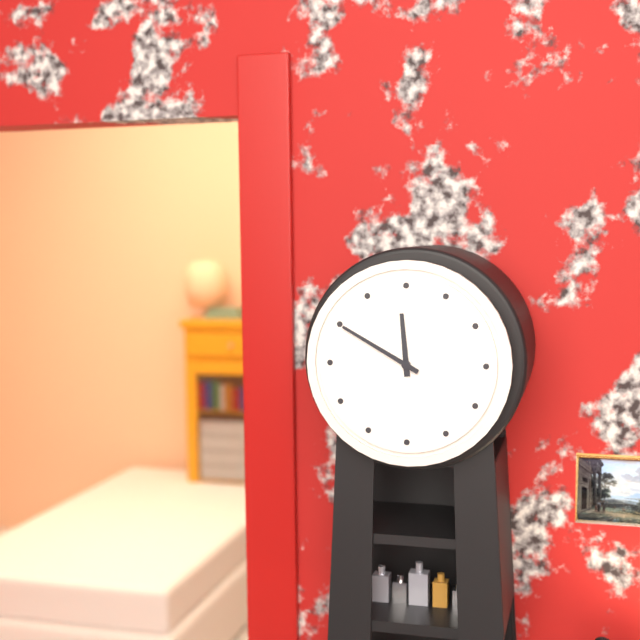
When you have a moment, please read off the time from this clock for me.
11:50
